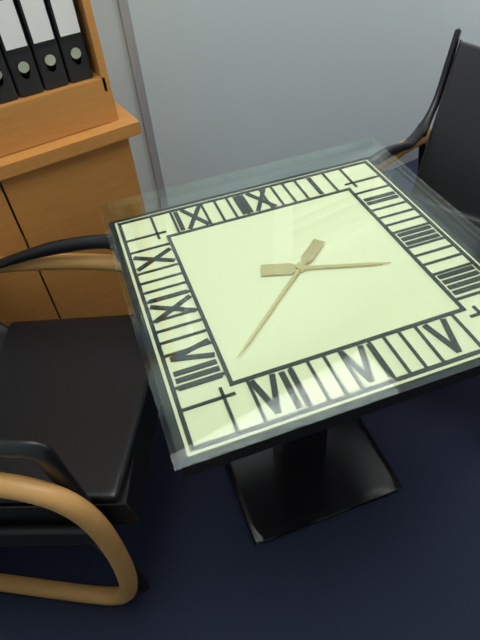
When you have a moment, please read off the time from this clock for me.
3:38
